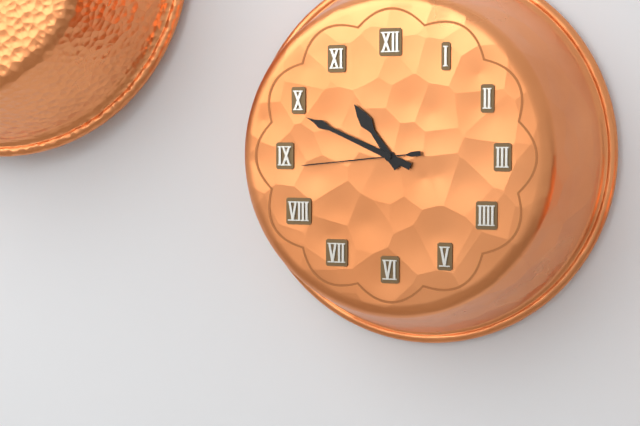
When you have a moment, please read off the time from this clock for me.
10:49:44
